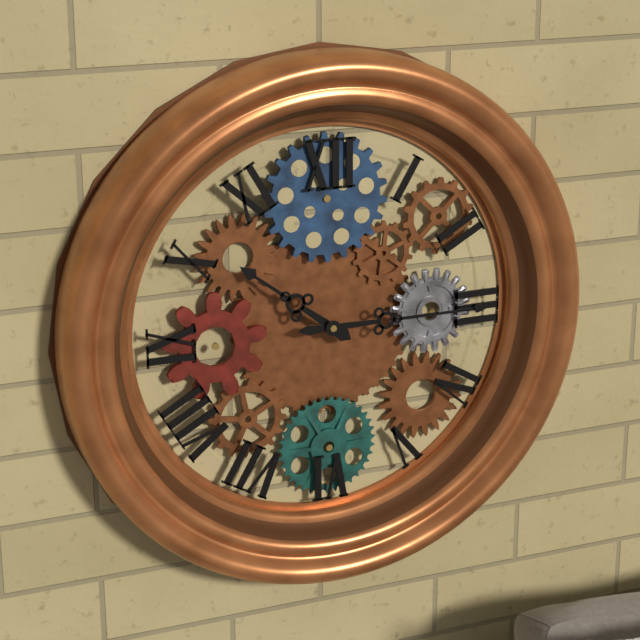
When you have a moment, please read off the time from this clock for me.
10:15
